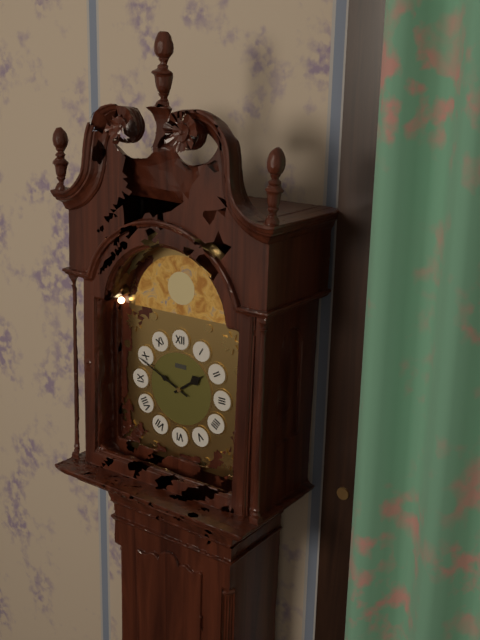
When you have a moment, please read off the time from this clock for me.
1:49
